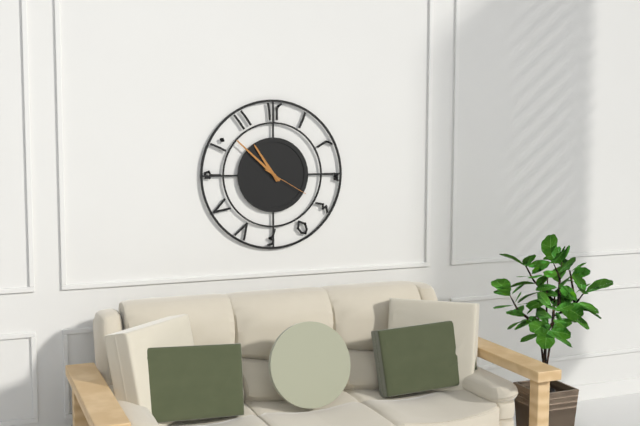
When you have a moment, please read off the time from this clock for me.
10:52
